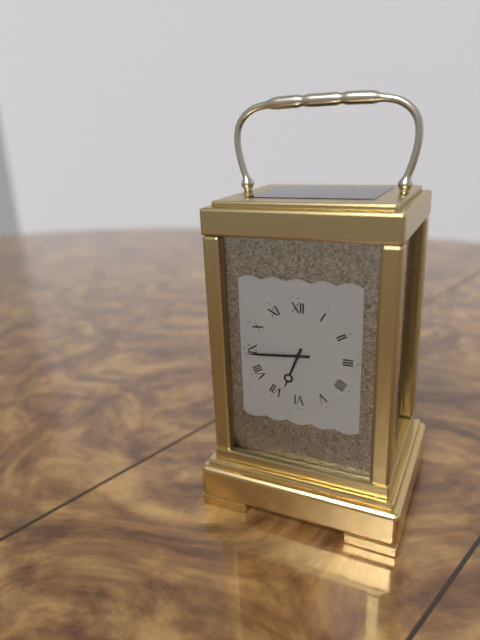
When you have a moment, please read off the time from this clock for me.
6:44
